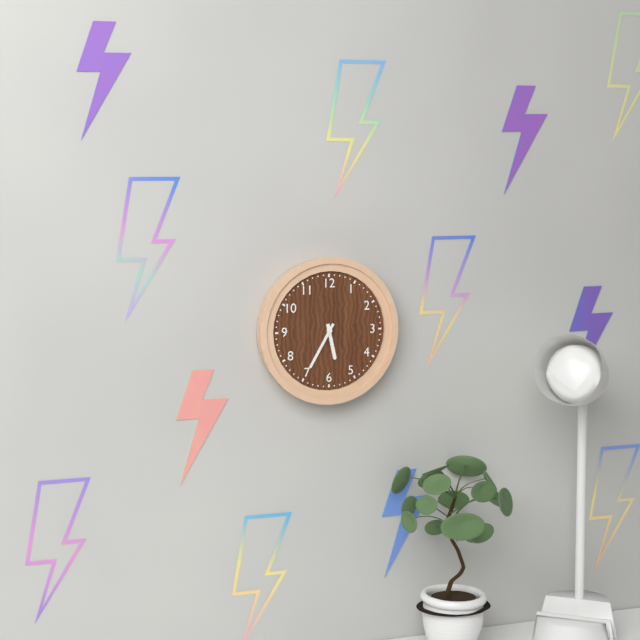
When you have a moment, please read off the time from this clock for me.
5:35
